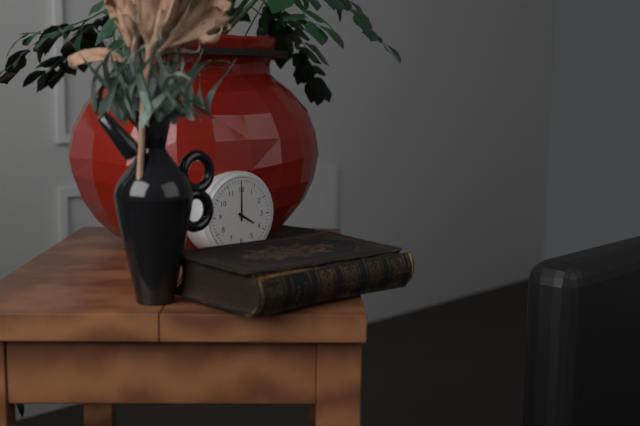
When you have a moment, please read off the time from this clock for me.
4:00
